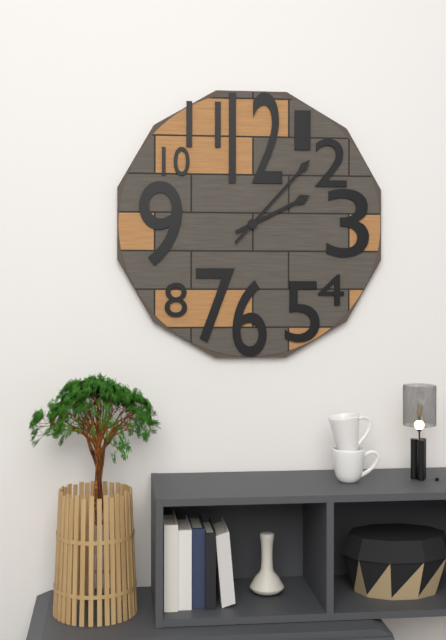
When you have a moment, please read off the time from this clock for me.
2:07
